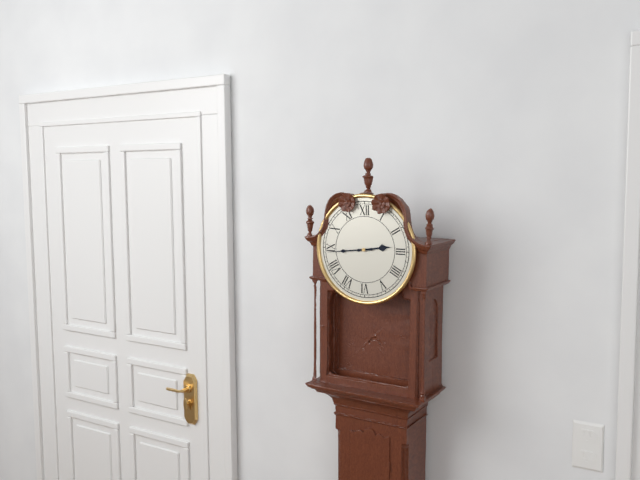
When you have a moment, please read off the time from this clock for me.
2:44
